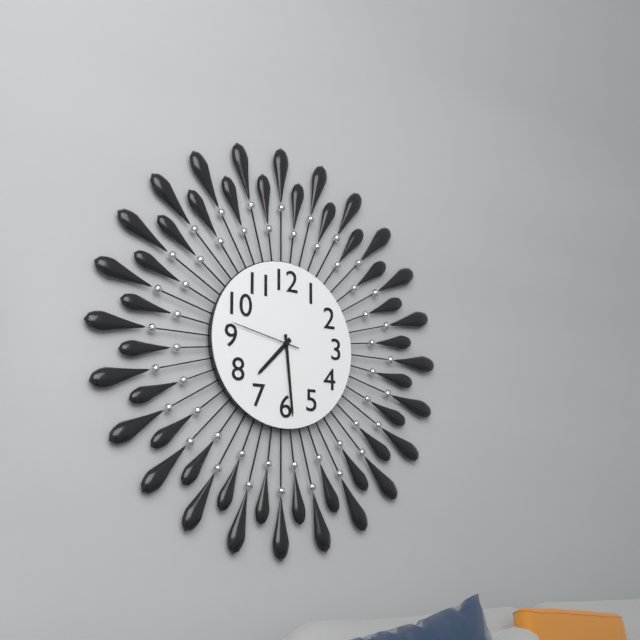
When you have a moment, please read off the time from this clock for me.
7:29:47
